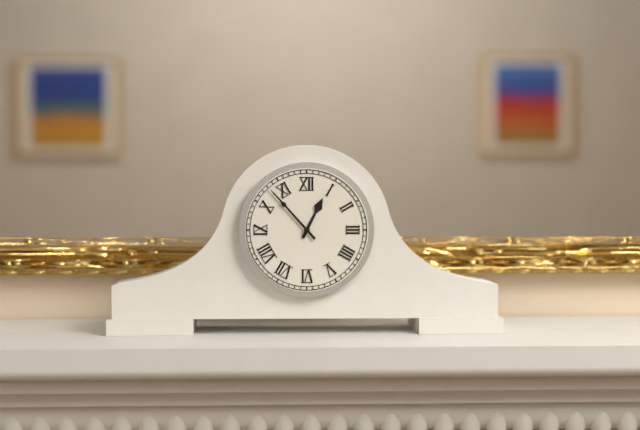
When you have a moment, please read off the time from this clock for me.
12:53
